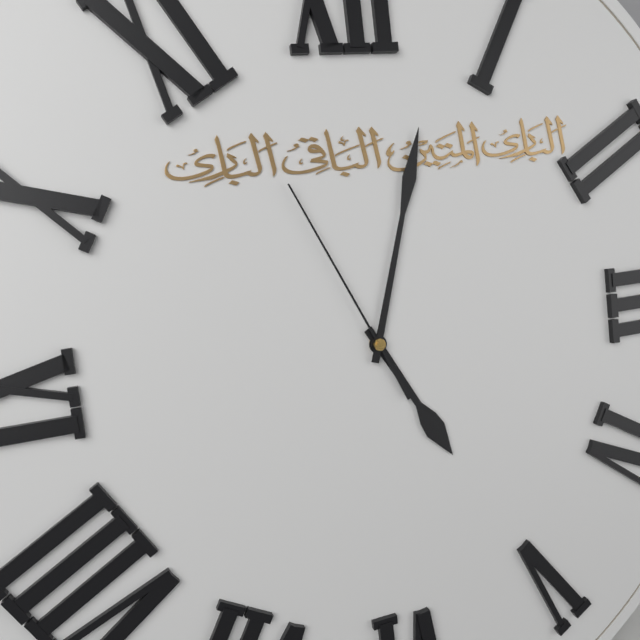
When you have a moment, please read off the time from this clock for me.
5:03:56
